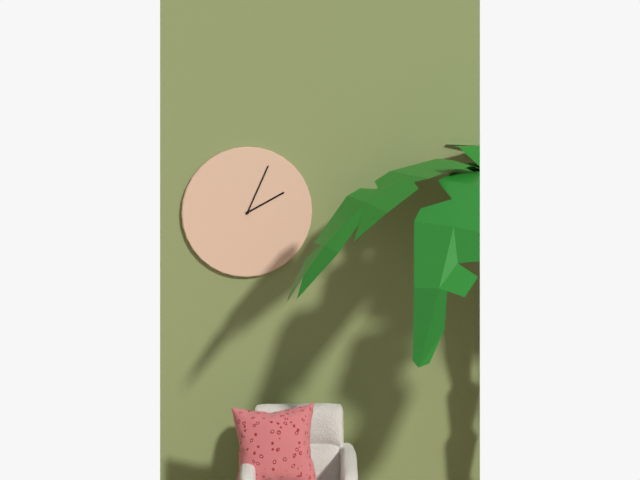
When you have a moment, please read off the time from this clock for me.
2:04
